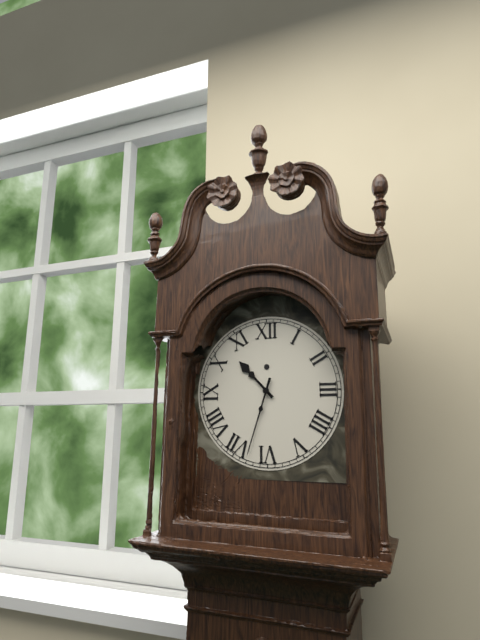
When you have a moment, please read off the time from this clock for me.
10:33
